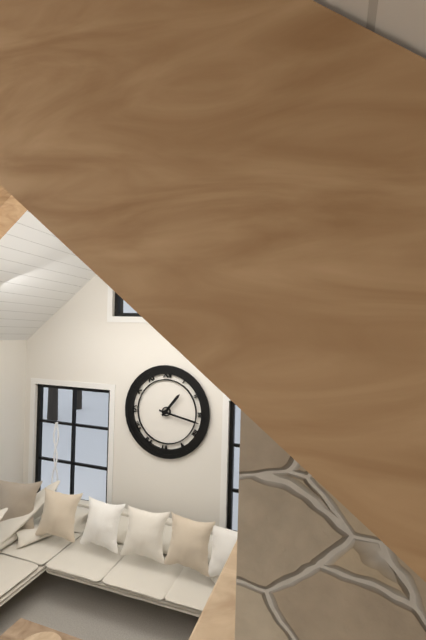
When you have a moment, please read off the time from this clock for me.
1:17
